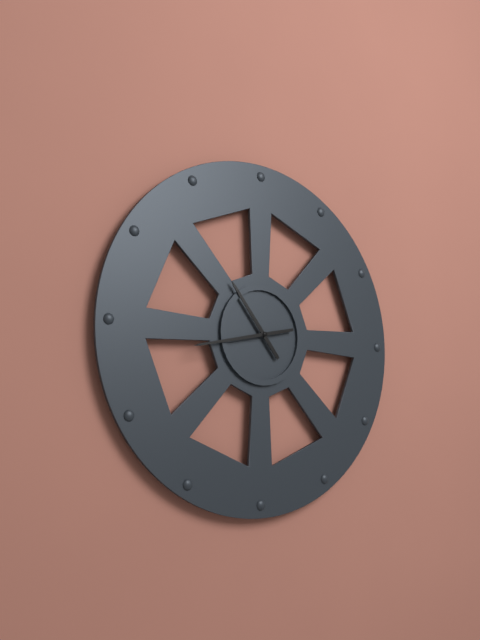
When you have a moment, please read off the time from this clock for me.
10:43
